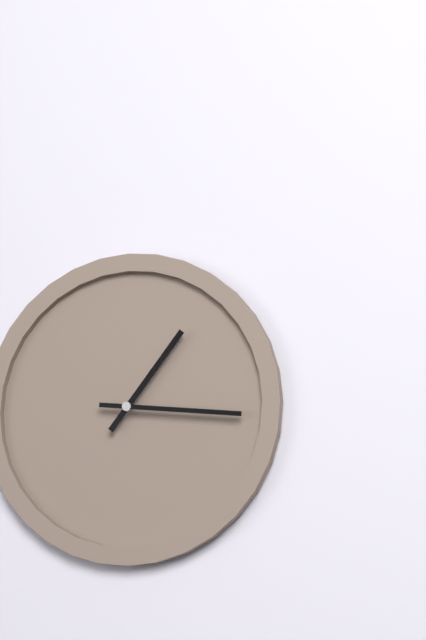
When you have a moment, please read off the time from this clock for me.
1:16
